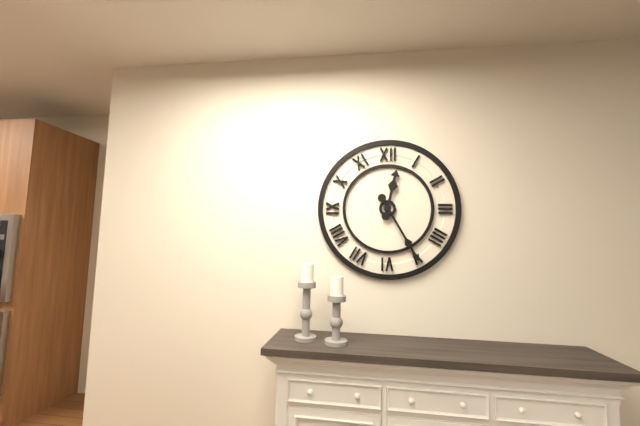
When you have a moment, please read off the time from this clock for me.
12:25
